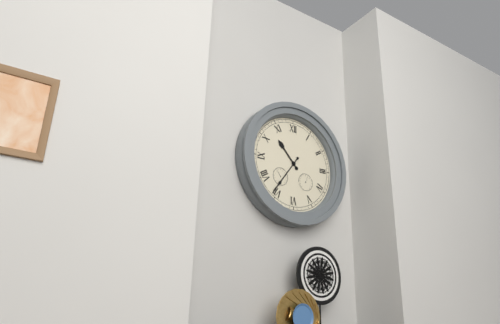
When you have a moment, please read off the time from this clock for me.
10:36
